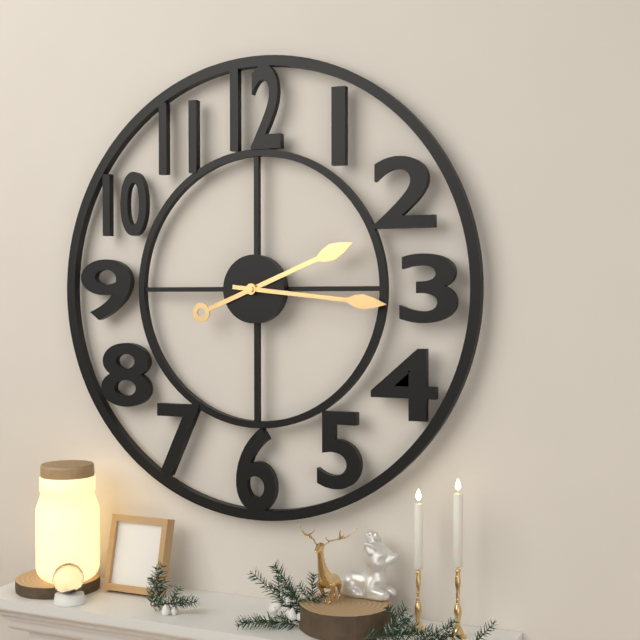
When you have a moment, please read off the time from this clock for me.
2:16
